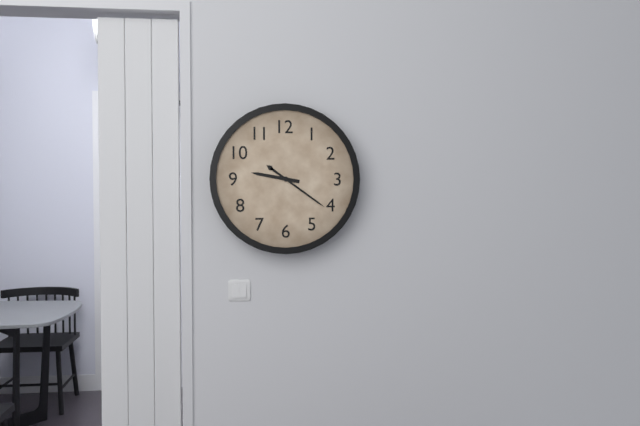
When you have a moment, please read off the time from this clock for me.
9:21
